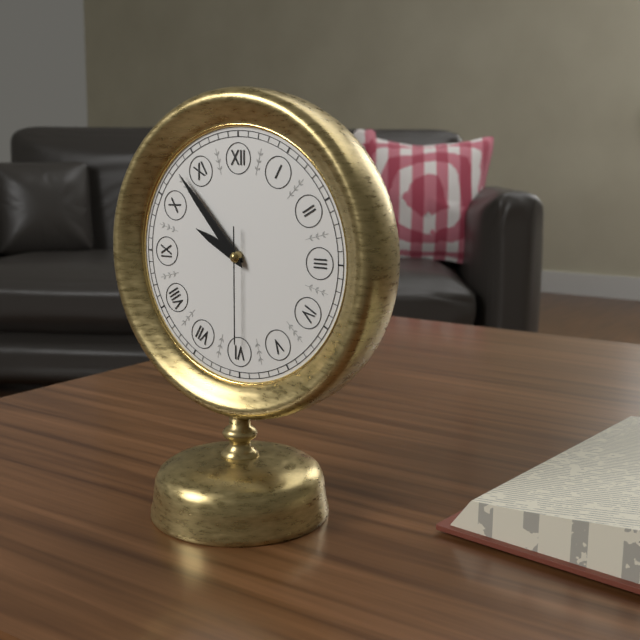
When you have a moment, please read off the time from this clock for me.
9:53:30
